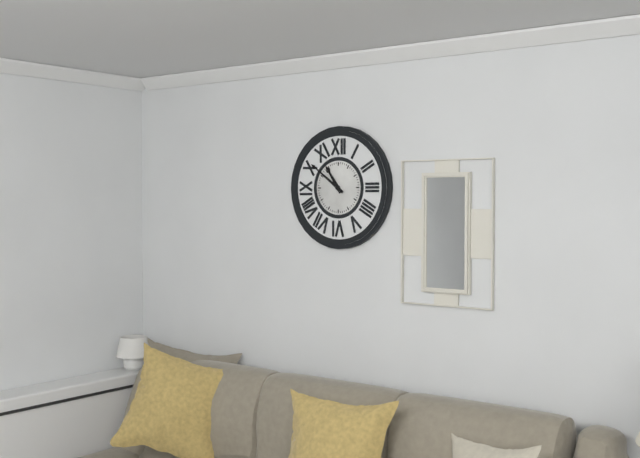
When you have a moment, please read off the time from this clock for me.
10:51
